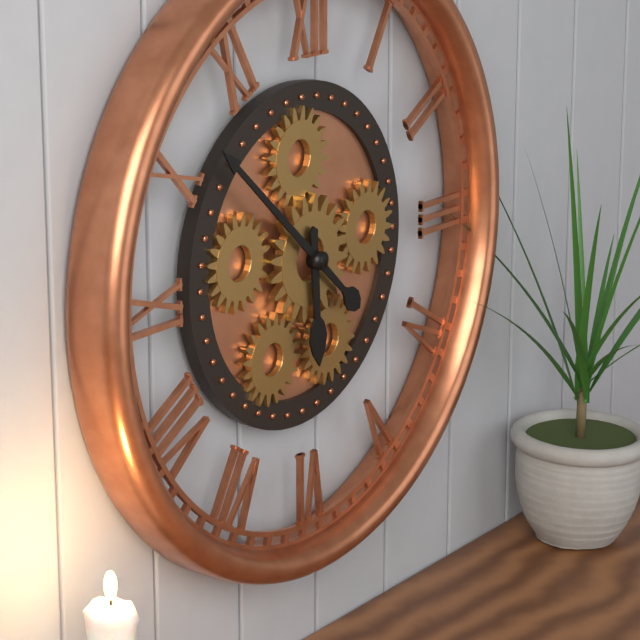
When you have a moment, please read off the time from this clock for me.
5:52
